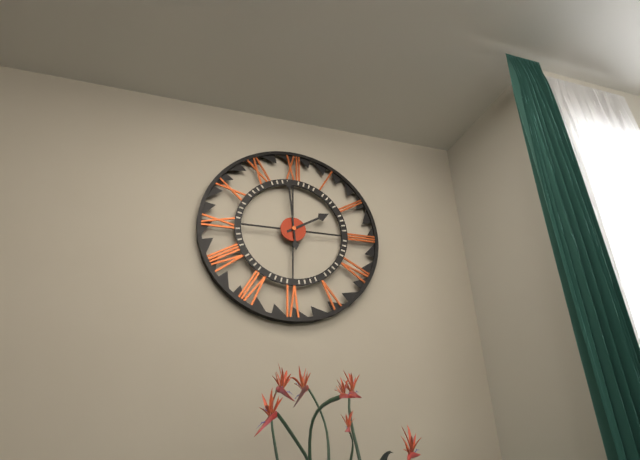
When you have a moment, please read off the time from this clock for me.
1:59
